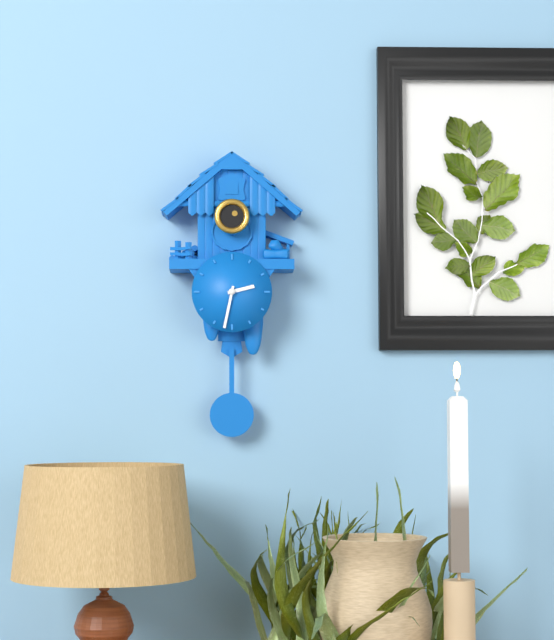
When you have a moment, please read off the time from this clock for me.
2:32
